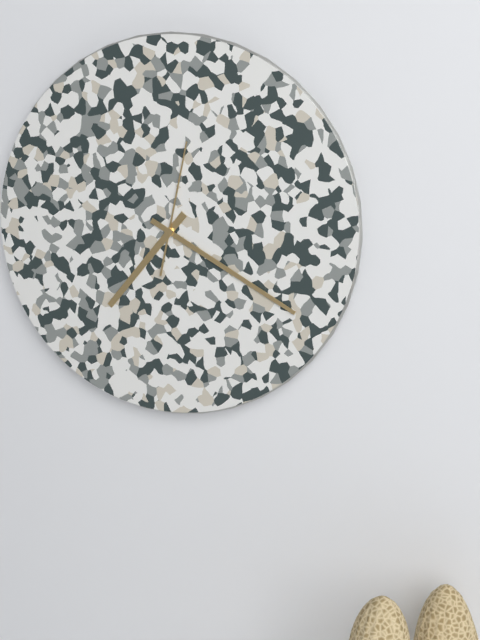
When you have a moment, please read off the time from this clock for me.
7:20:02
